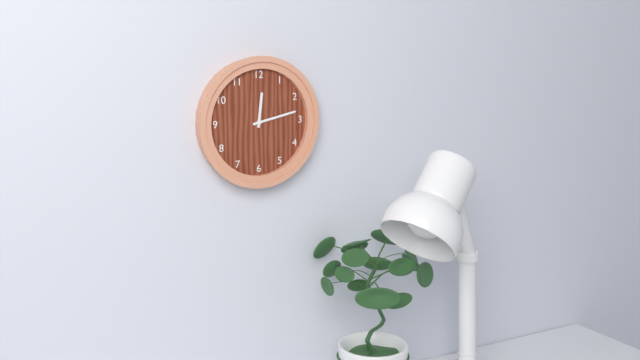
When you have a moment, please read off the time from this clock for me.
12:13
